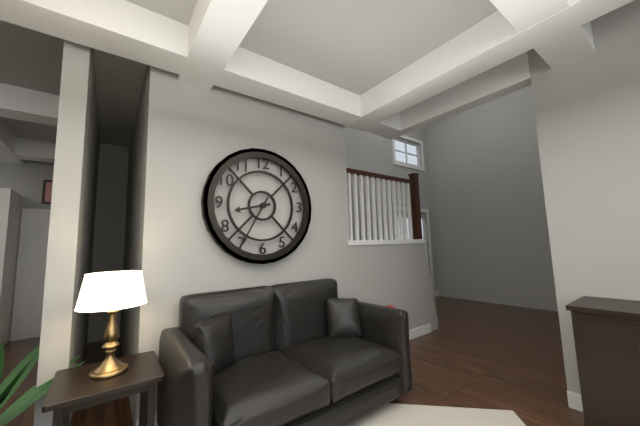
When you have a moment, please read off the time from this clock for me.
8:35
